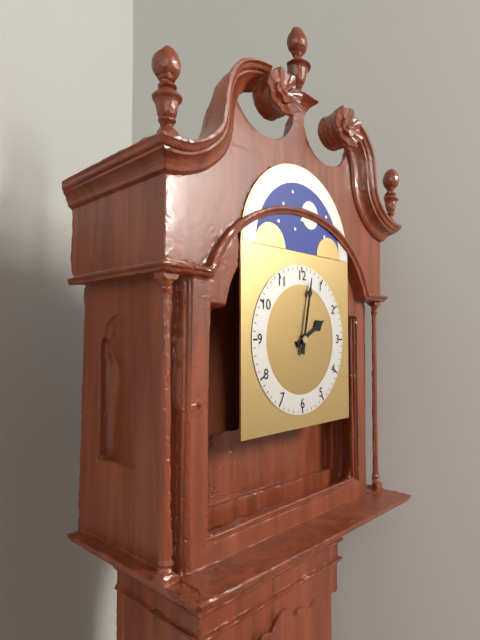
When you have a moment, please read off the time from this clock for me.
2:02
